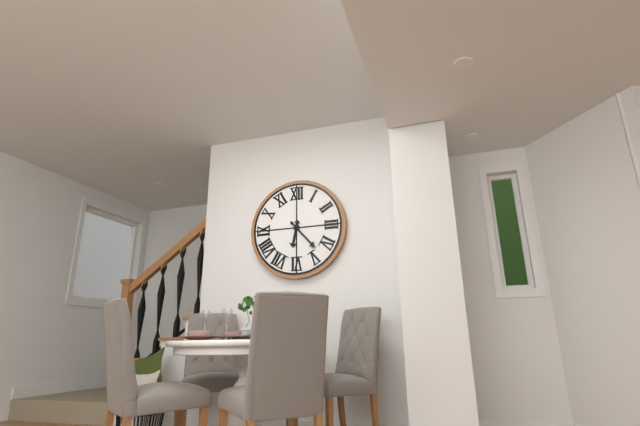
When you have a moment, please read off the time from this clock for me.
6:23
